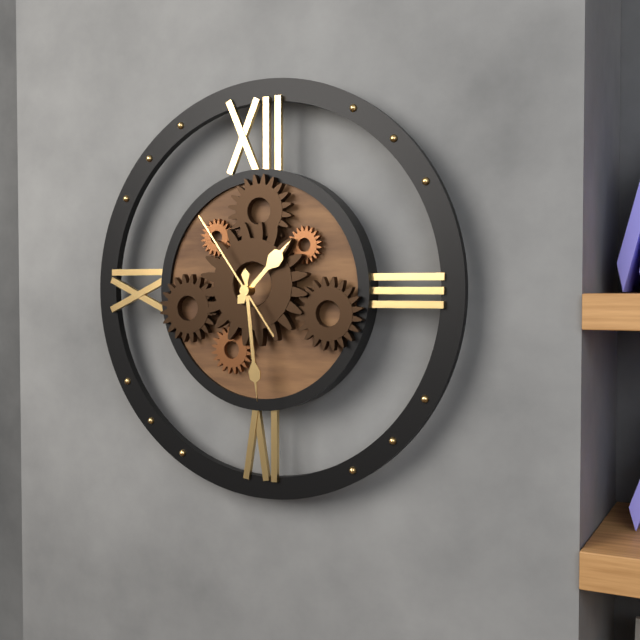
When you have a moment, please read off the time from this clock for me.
1:29:54
